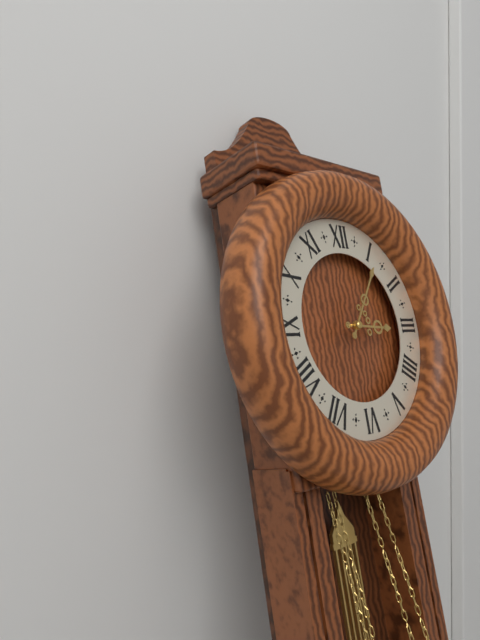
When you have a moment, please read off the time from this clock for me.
3:06
